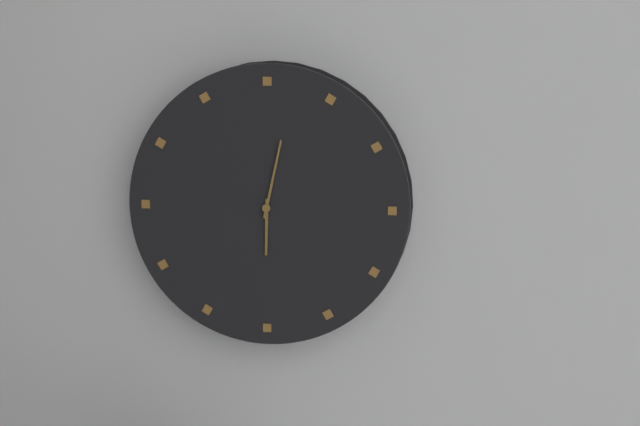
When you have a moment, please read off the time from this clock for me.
6:02
